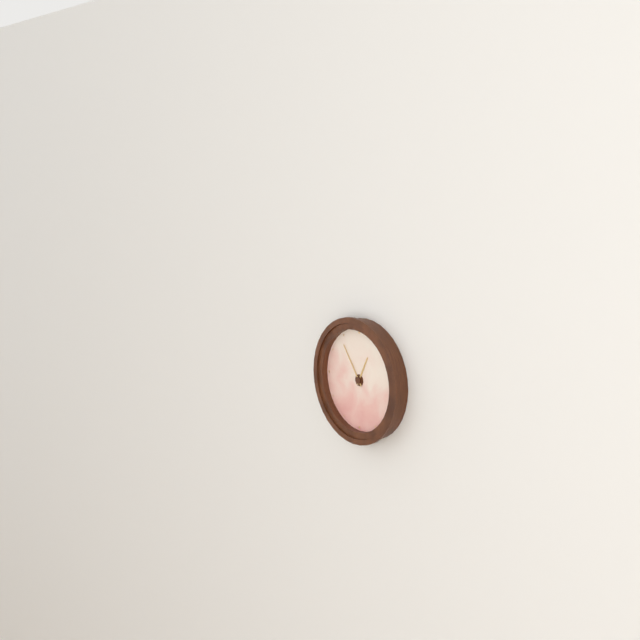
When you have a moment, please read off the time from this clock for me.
12:54
